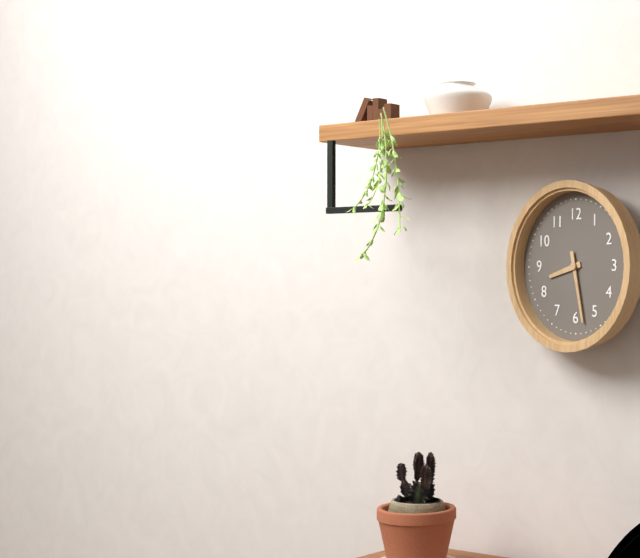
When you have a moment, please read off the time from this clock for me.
8:28
